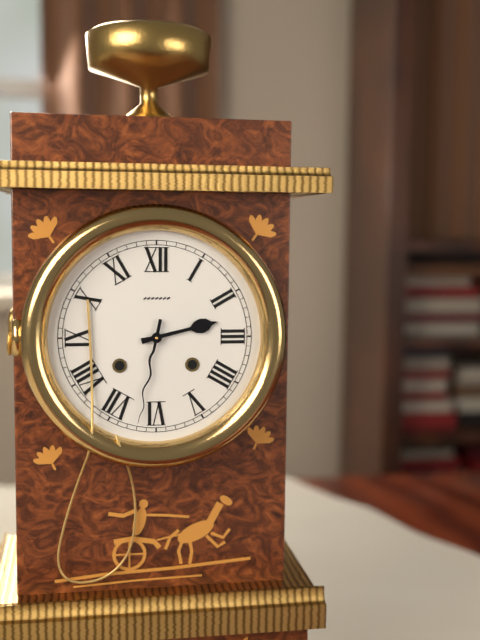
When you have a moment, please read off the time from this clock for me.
2:32
